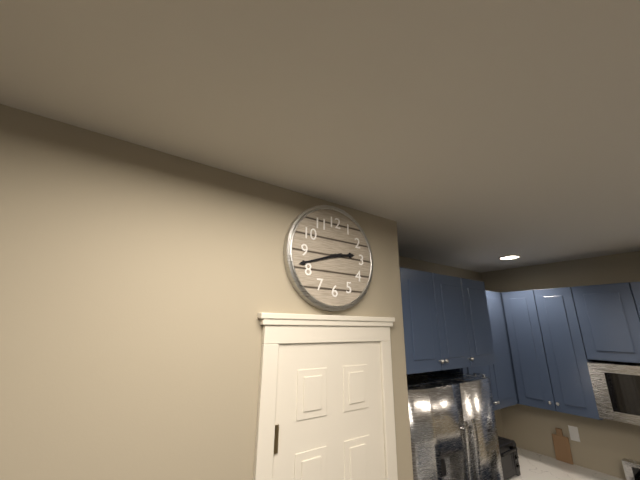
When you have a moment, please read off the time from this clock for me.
2:42
